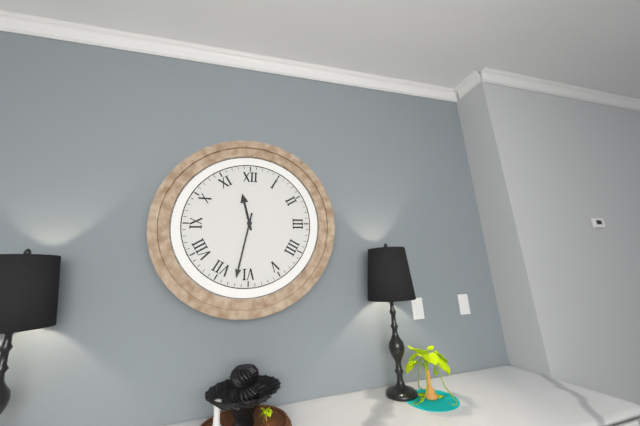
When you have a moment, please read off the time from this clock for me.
11:32
